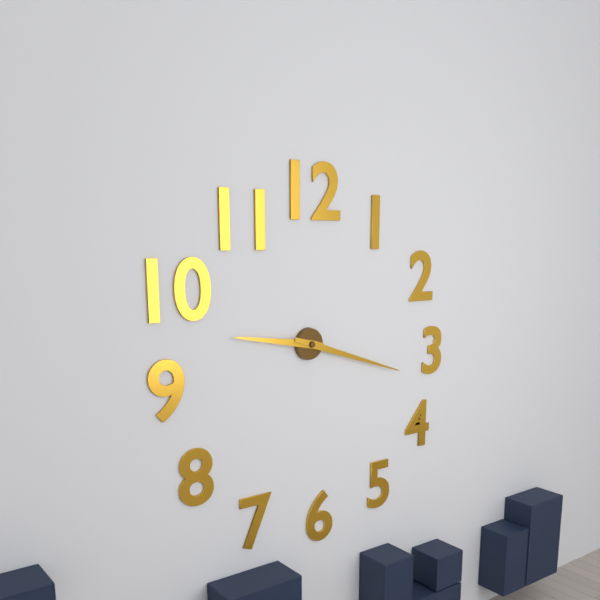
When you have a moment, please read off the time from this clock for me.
9:18
